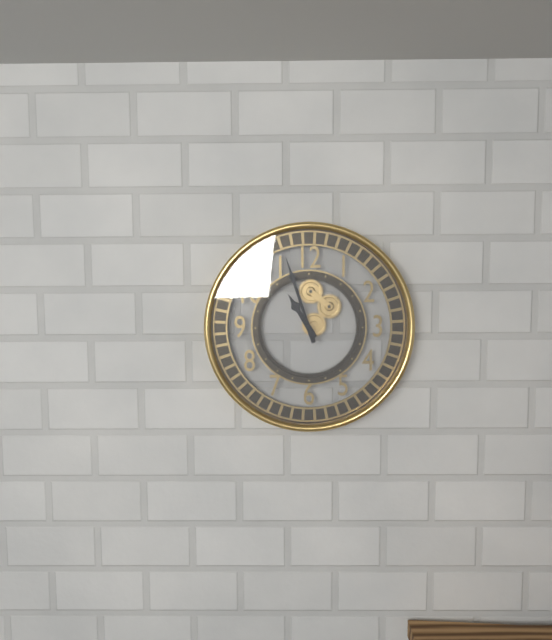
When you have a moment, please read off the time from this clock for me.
10:57
